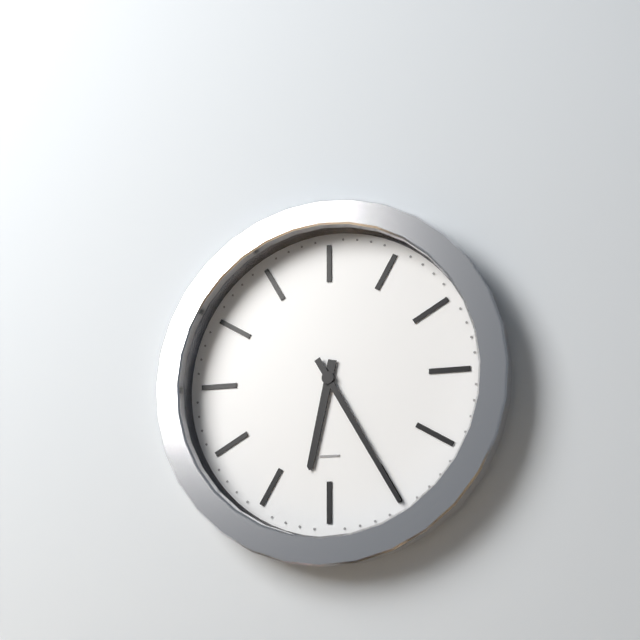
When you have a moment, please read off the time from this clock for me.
6:25
